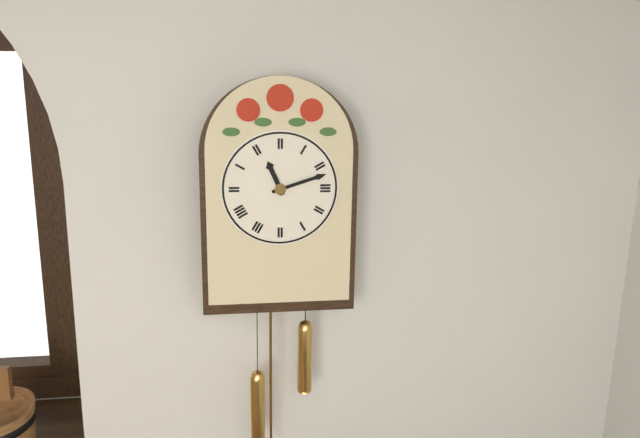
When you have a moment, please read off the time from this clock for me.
11:12
